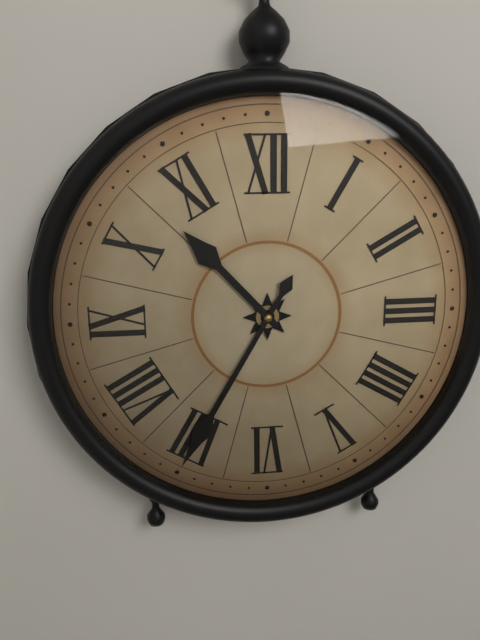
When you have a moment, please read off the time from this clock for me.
10:35
